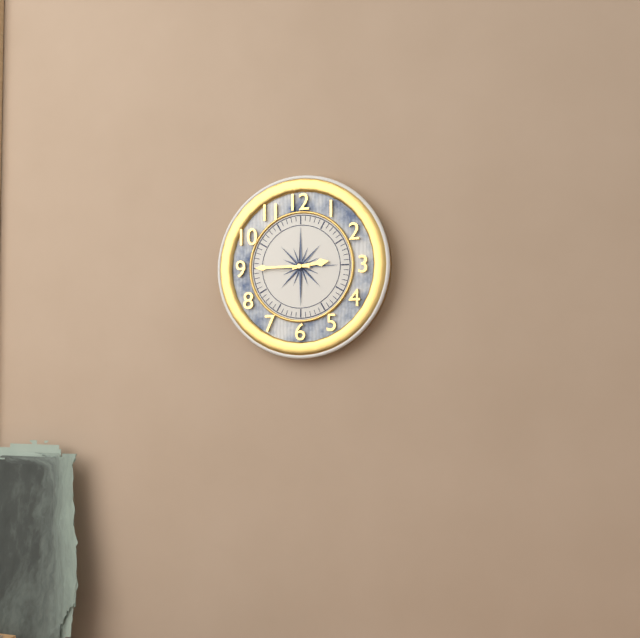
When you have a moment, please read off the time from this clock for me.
2:45
